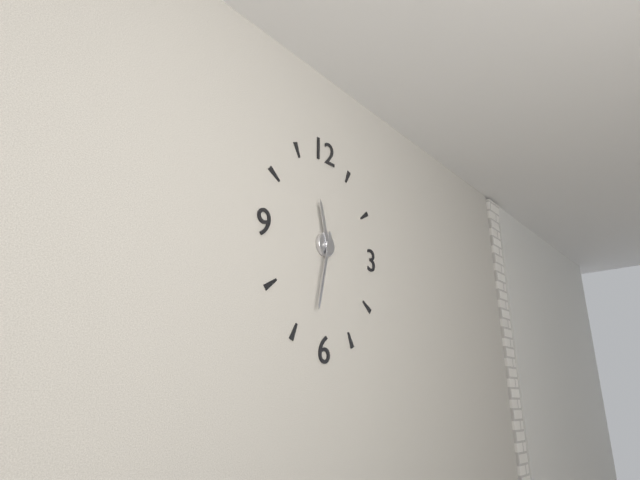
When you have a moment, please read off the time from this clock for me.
11:32
